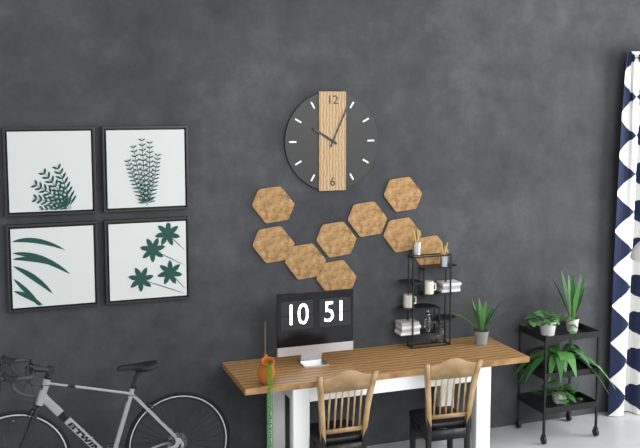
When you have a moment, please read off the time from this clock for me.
10:04
